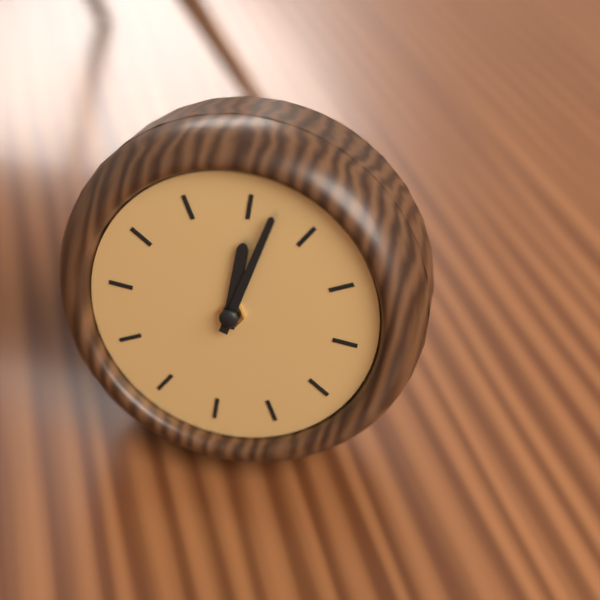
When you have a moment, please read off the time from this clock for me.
12:02
